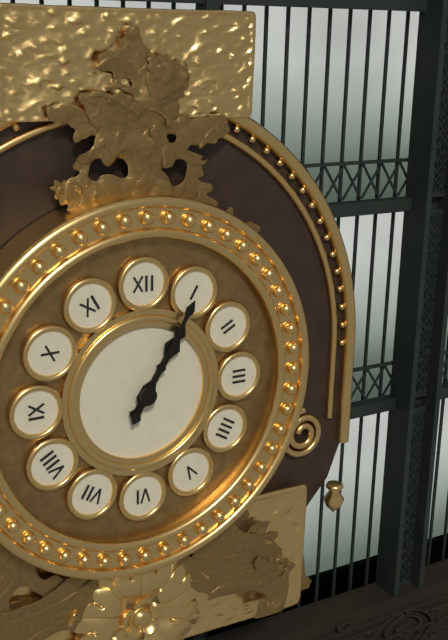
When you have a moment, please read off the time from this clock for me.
1:05
